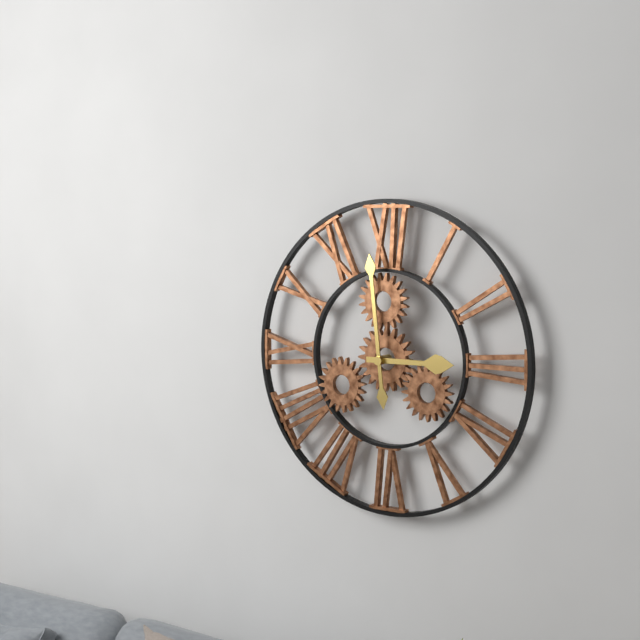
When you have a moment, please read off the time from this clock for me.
2:59
